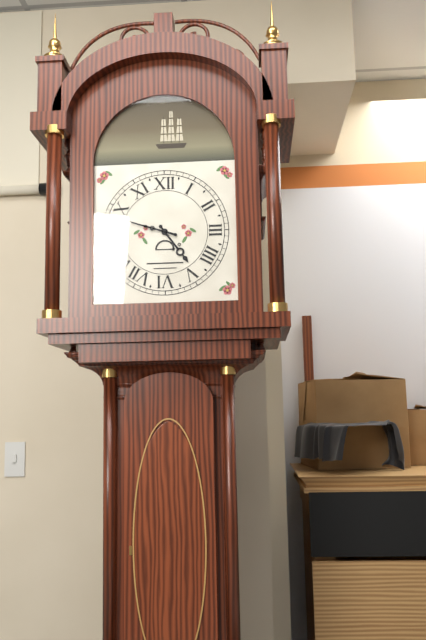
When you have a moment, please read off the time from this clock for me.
4:48
